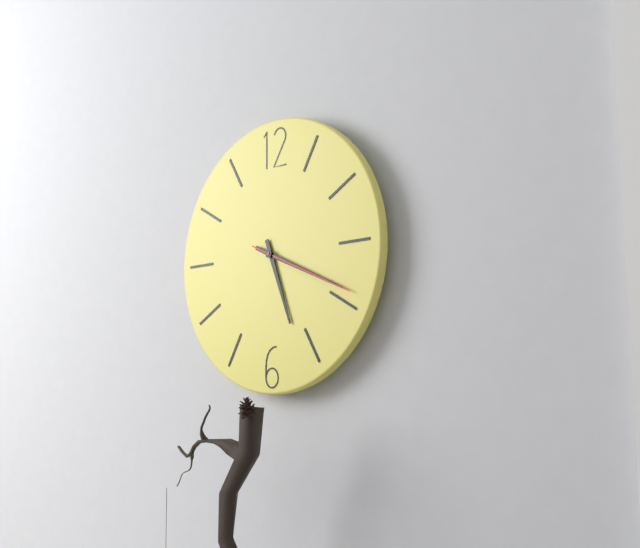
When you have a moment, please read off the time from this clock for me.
5:19:19
